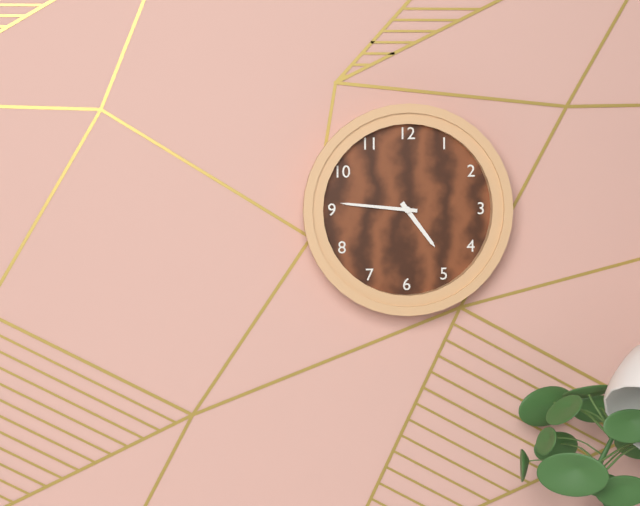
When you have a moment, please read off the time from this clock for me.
4:46
